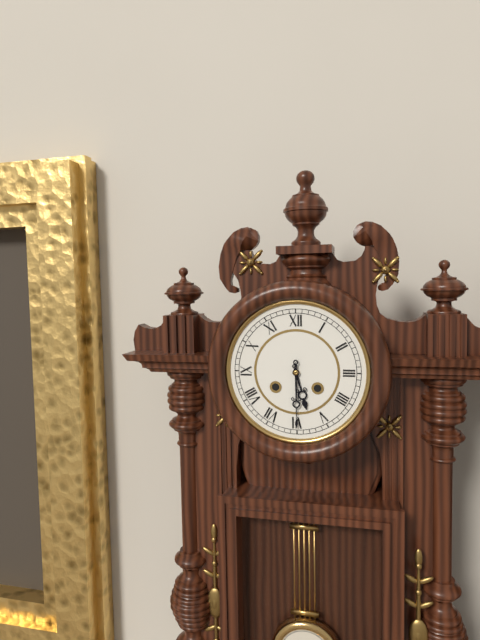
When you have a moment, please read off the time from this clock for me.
5:30
